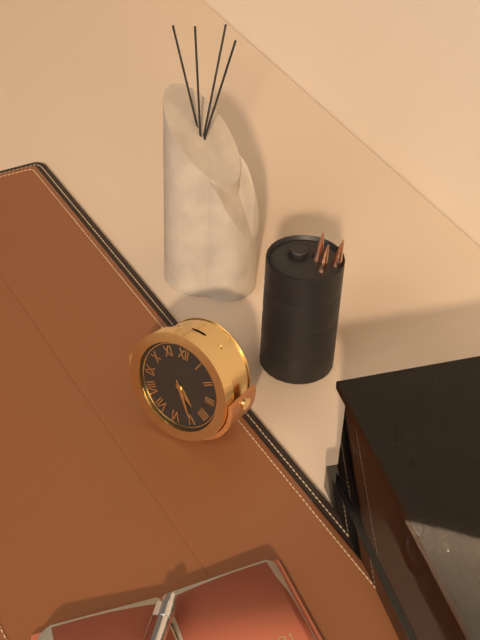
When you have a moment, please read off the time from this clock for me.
4:25
